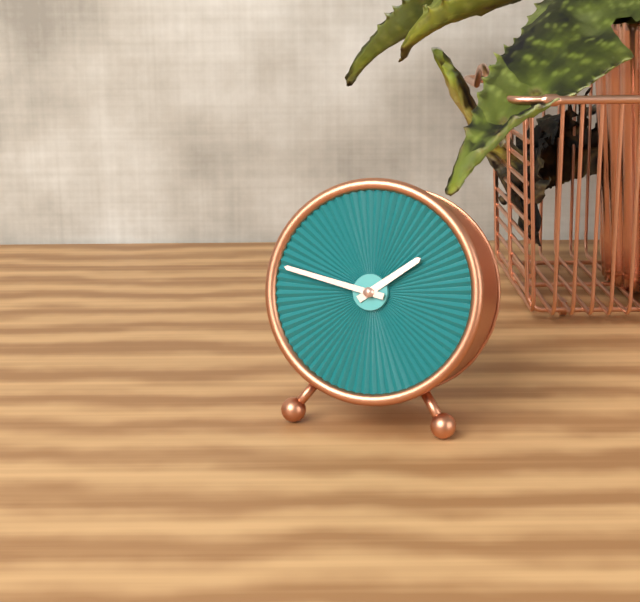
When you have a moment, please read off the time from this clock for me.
1:47
